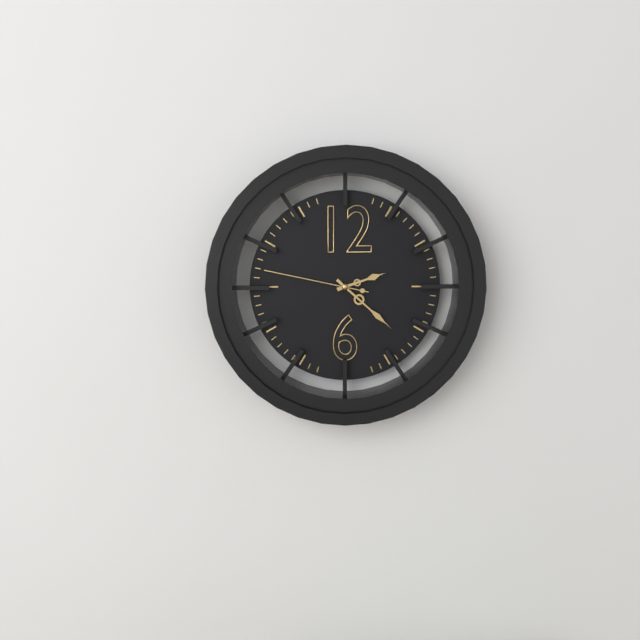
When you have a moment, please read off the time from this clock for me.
2:22:47
